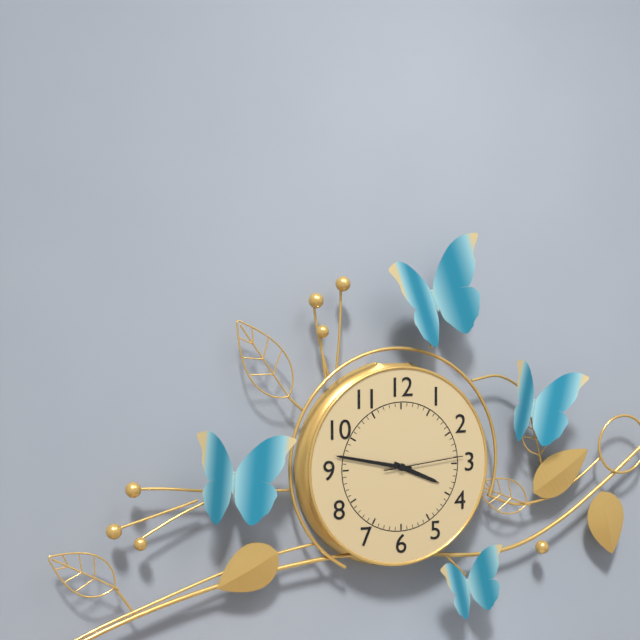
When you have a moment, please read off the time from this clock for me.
3:47:14
